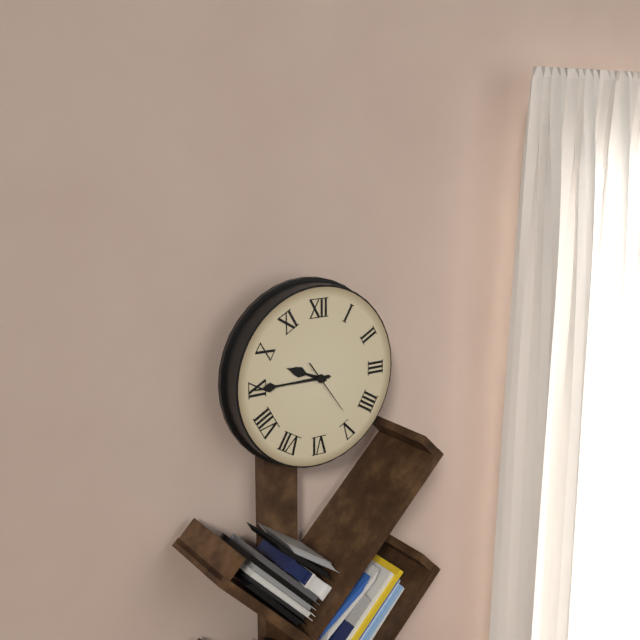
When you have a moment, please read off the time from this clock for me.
9:45:24
